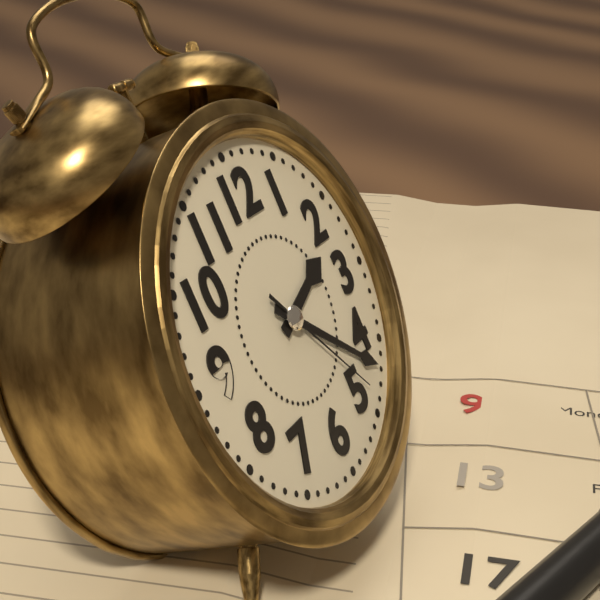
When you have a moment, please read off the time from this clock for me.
2:22:24
